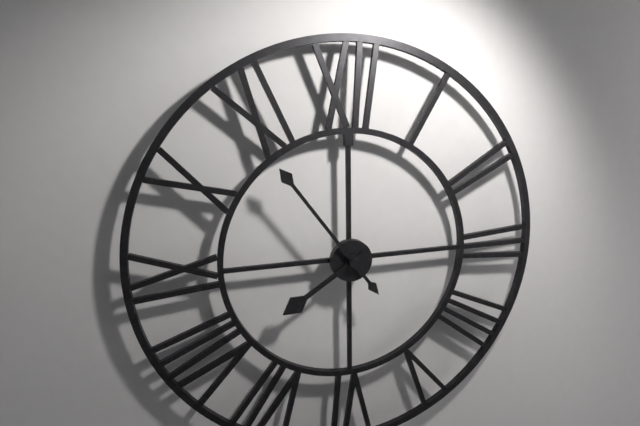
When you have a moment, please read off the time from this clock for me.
7:54
